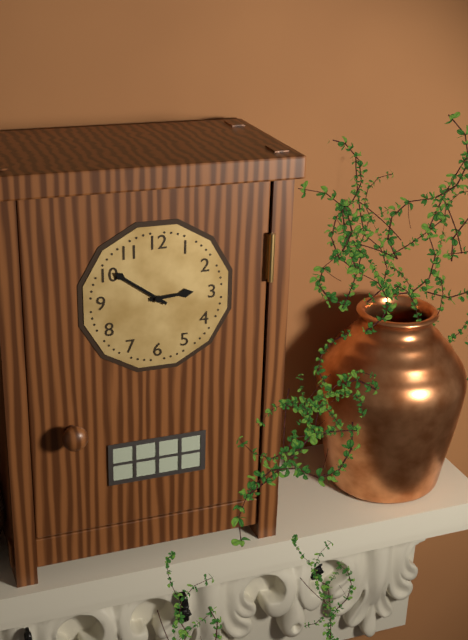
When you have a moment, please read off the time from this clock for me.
2:51
